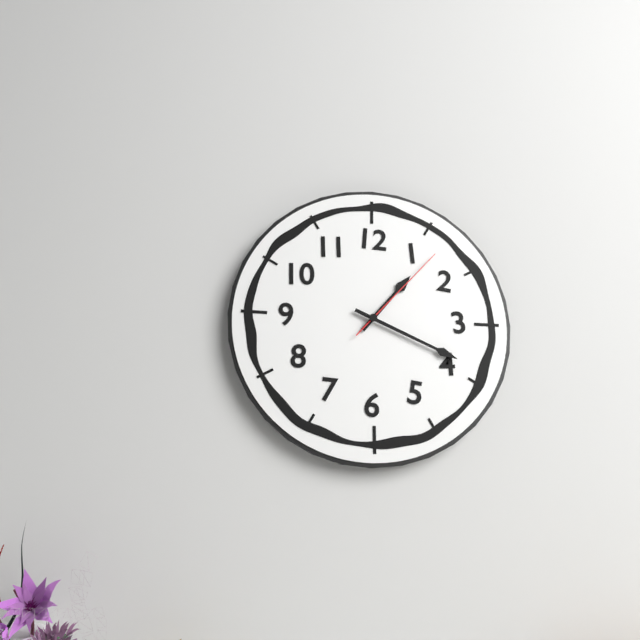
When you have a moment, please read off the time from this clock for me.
1:19:07
